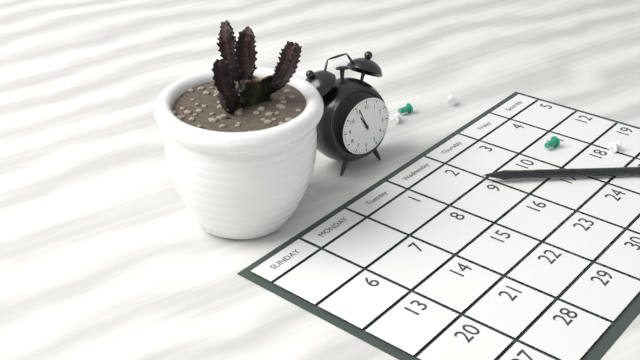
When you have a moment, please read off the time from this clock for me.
10:56
